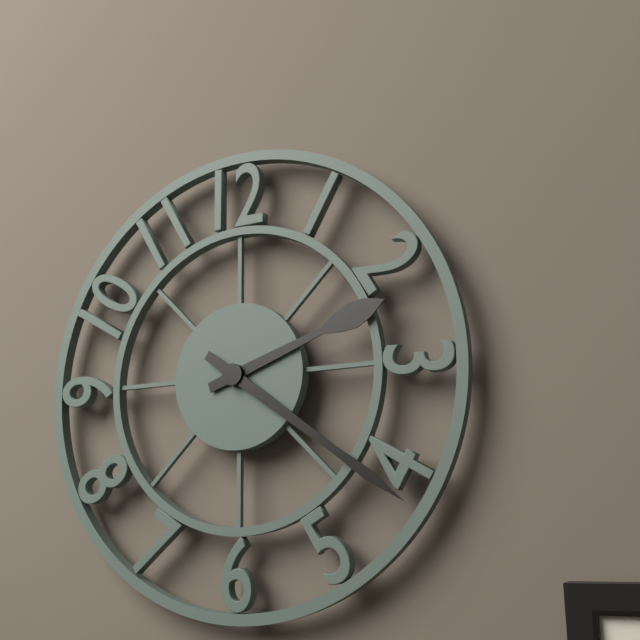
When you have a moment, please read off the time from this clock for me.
2:21
